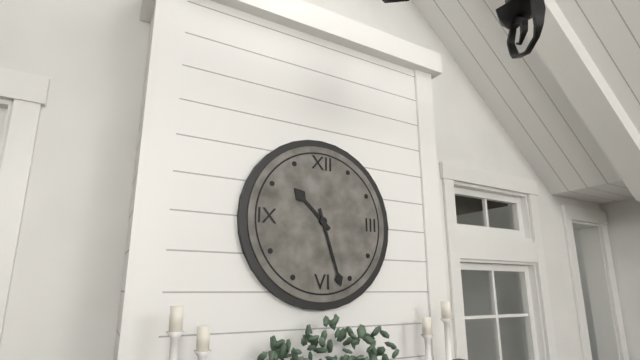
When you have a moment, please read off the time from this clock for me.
10:27
